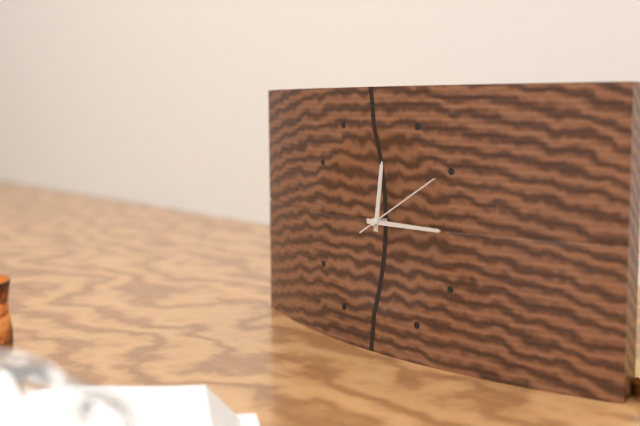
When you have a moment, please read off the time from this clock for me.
12:15:10
